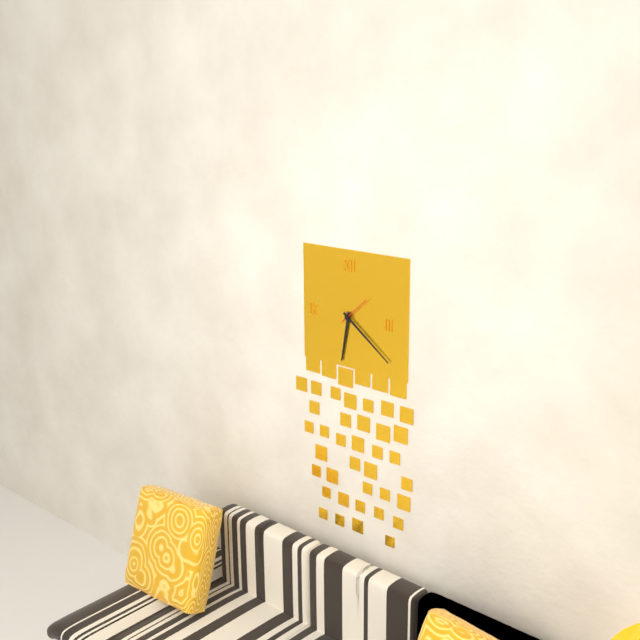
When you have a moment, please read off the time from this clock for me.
6:21
